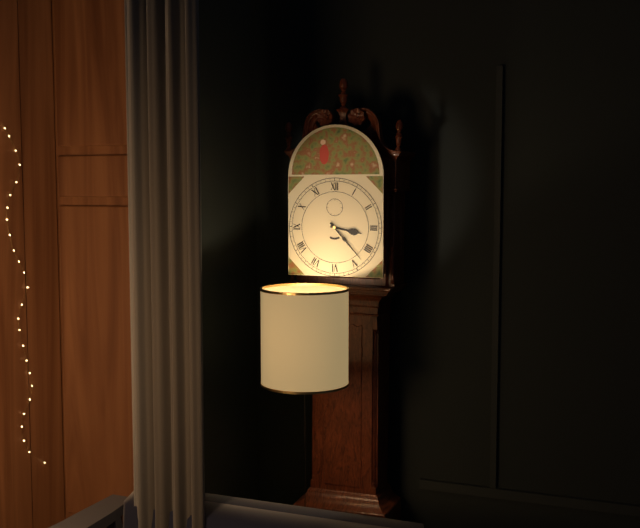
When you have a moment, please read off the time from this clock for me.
3:23
